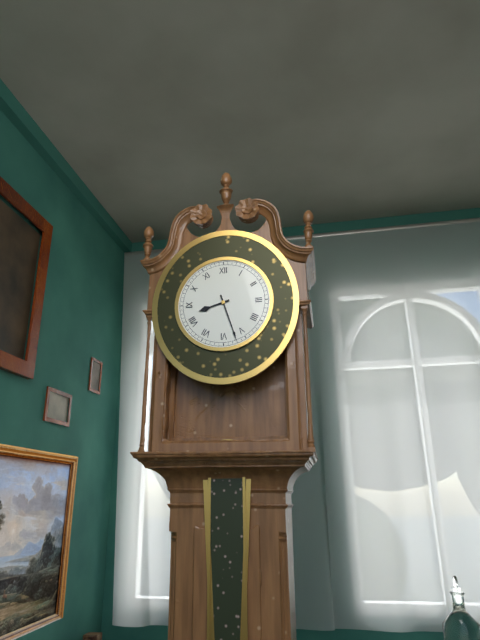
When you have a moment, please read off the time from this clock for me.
8:27
